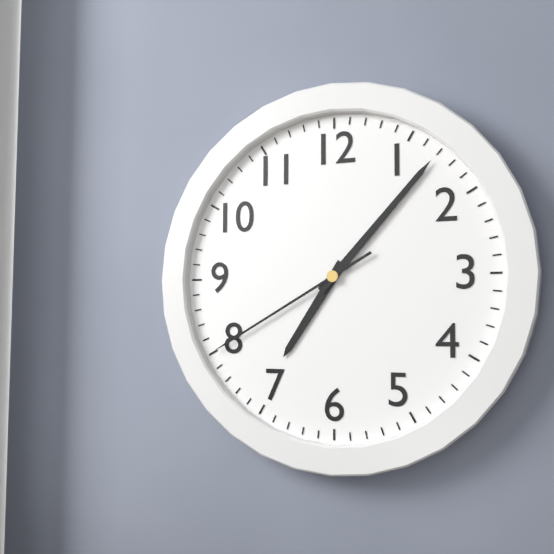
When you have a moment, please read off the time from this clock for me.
7:07:40
